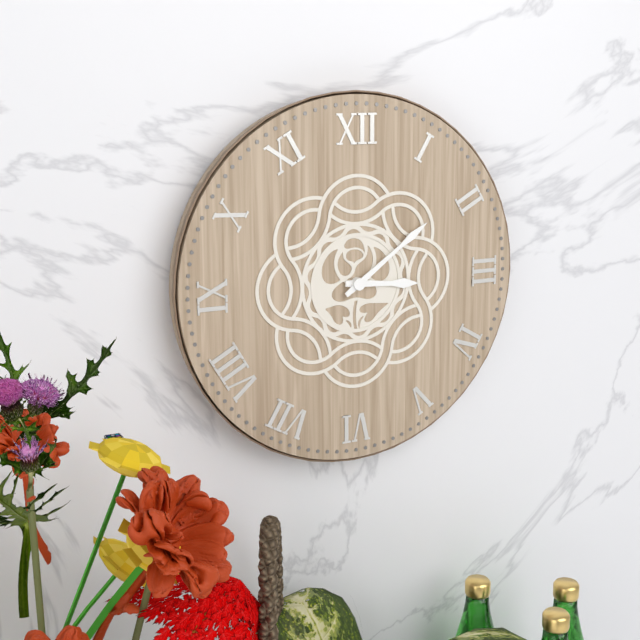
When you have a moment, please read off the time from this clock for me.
3:09
